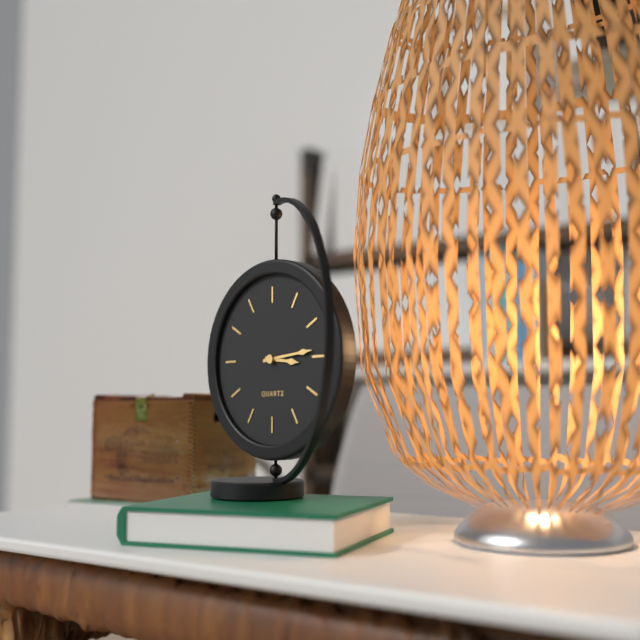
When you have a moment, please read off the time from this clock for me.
3:14
